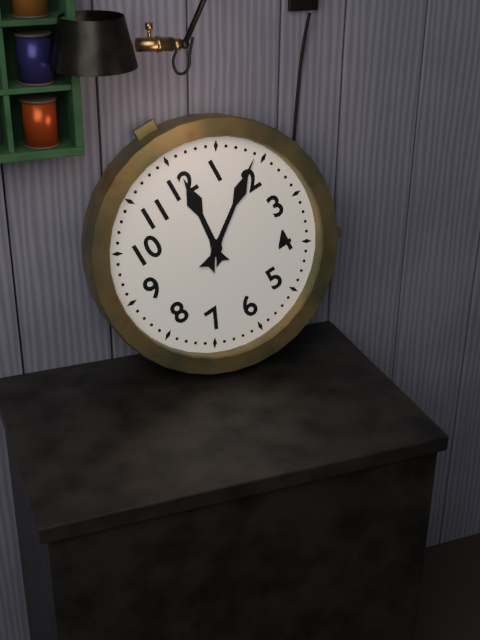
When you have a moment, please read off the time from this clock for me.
12:09
